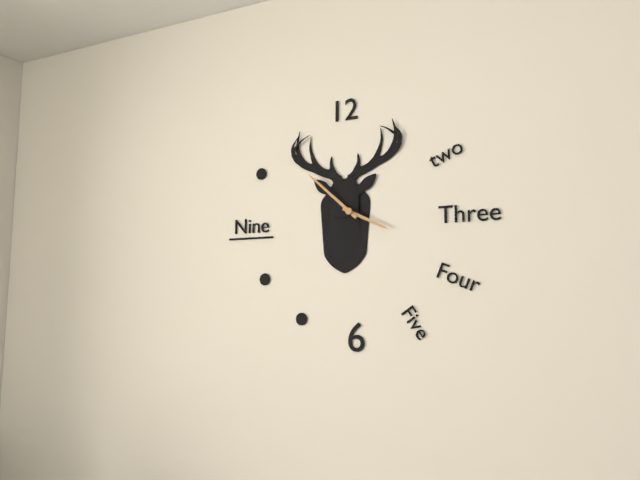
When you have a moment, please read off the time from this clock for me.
3:52
